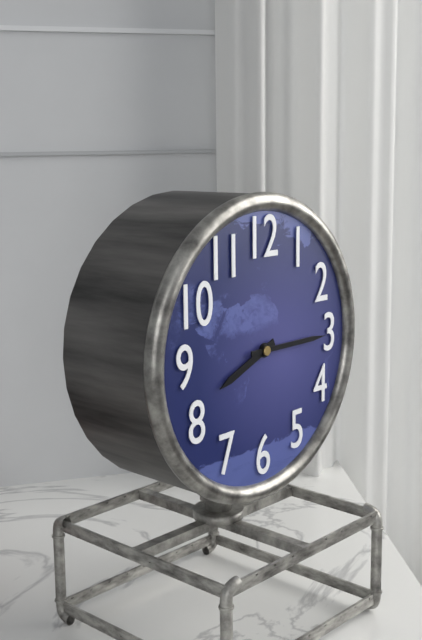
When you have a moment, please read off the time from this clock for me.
8:15
